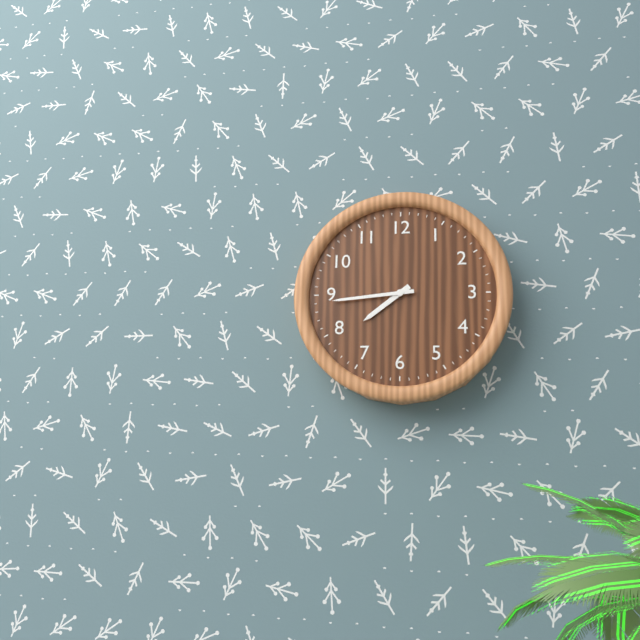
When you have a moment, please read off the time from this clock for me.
7:44
